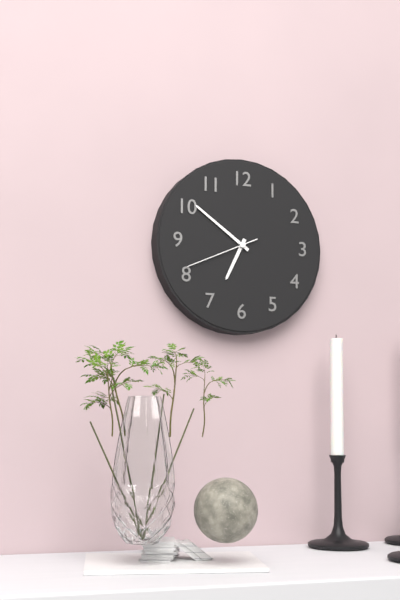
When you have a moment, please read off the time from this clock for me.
6:51:41
